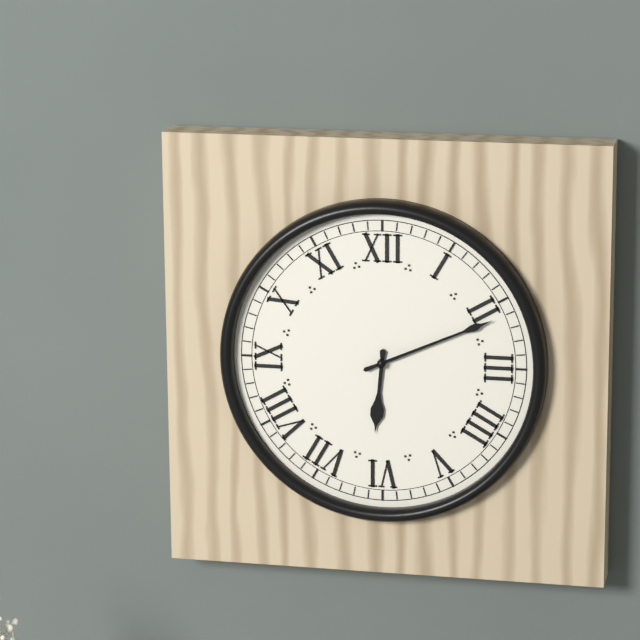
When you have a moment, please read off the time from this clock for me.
6:11
